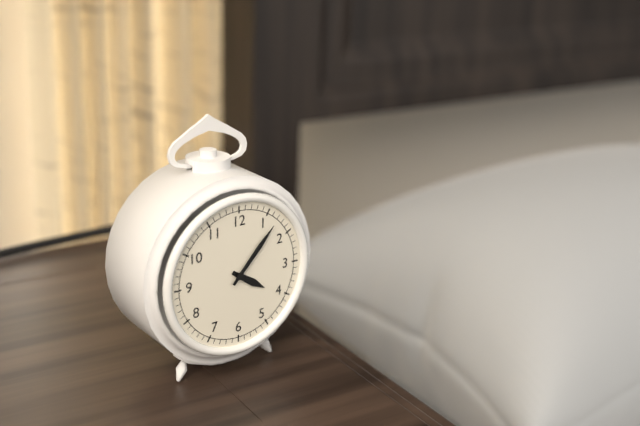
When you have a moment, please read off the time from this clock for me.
4:07
